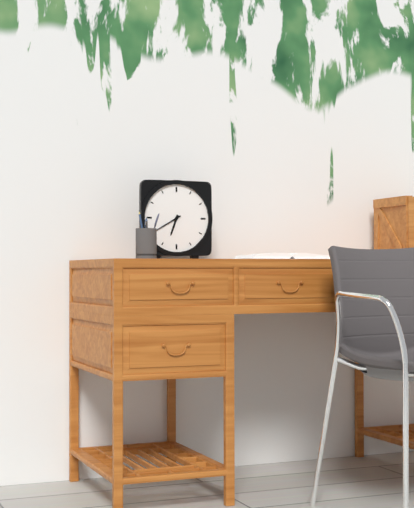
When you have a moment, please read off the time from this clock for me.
6:40
